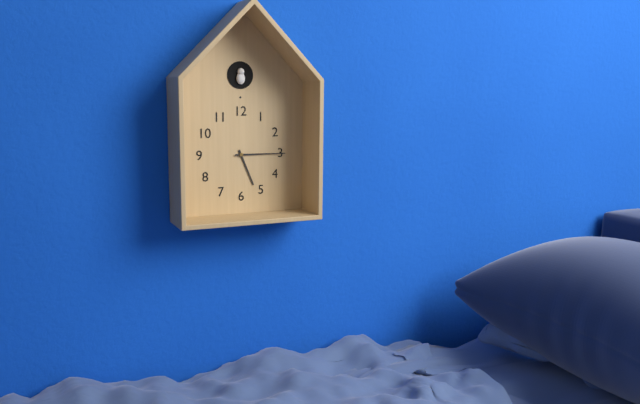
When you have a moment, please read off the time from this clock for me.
5:15
